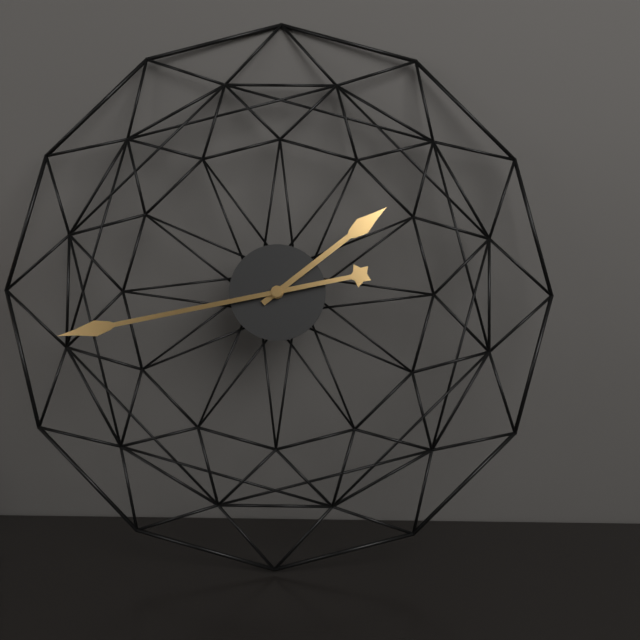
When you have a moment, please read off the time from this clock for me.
1:43
